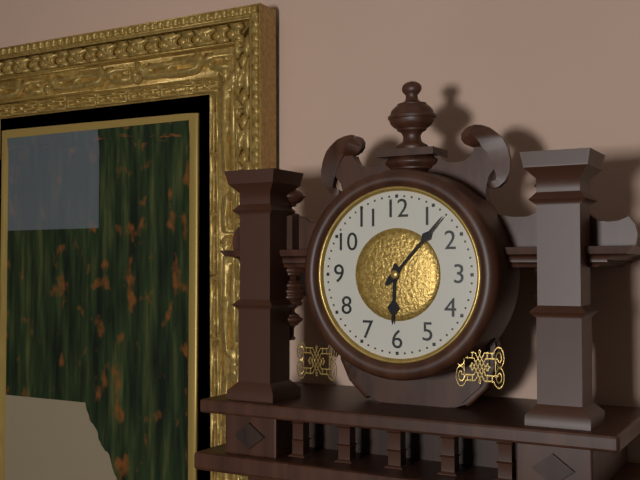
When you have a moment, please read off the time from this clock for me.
6:07
